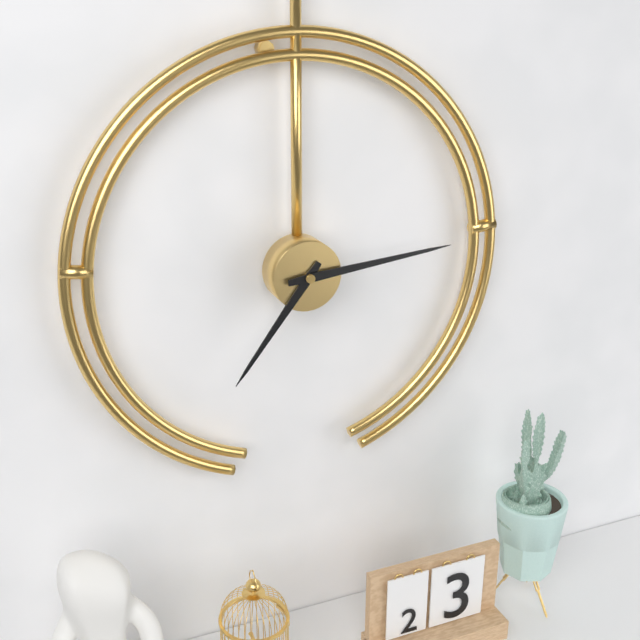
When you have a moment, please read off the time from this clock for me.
7:14
